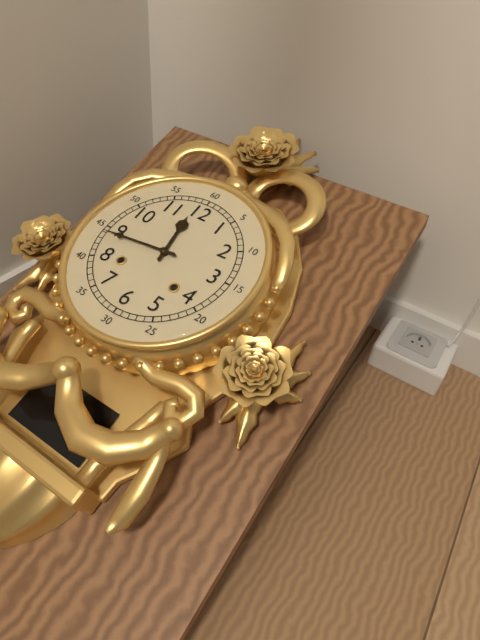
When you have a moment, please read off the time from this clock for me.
11:44
